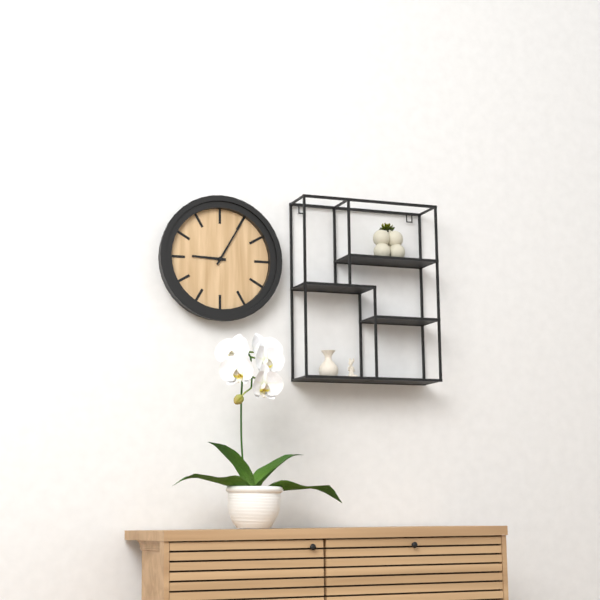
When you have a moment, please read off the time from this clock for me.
9:05
